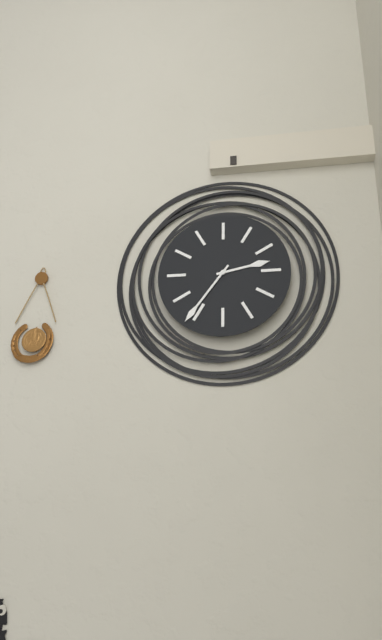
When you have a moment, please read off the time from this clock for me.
2:36
